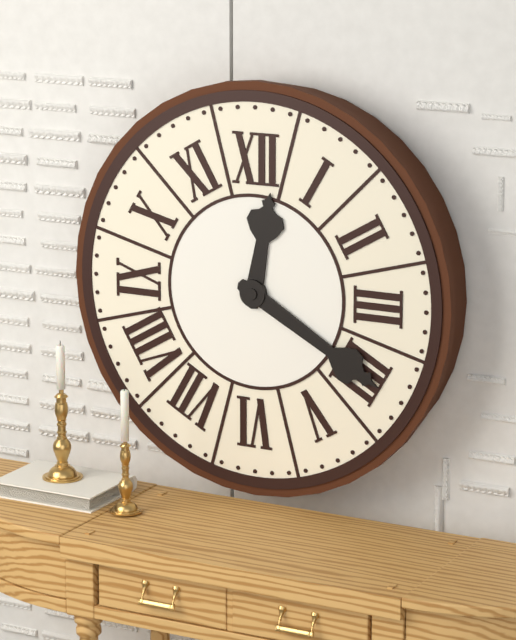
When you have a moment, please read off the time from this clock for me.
12:20
